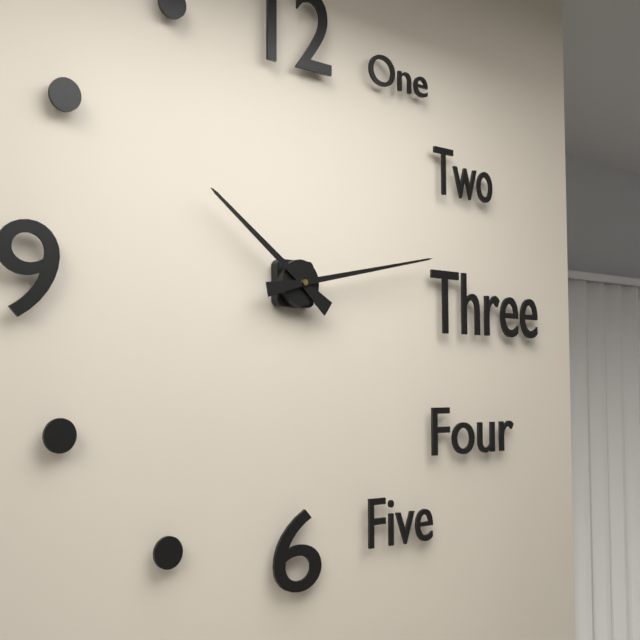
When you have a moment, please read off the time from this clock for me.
10:13
